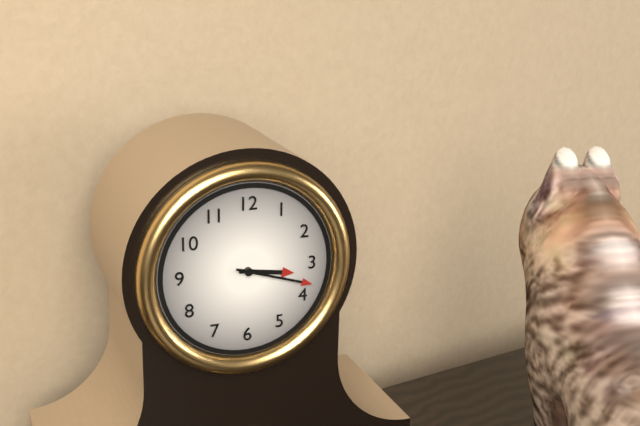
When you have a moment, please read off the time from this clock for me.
3:18
